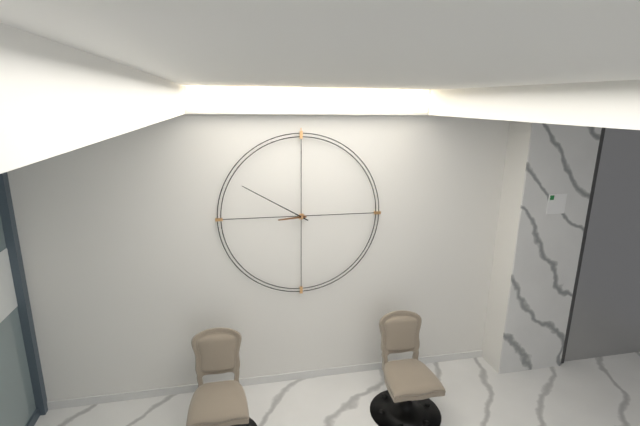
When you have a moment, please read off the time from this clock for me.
8:50
